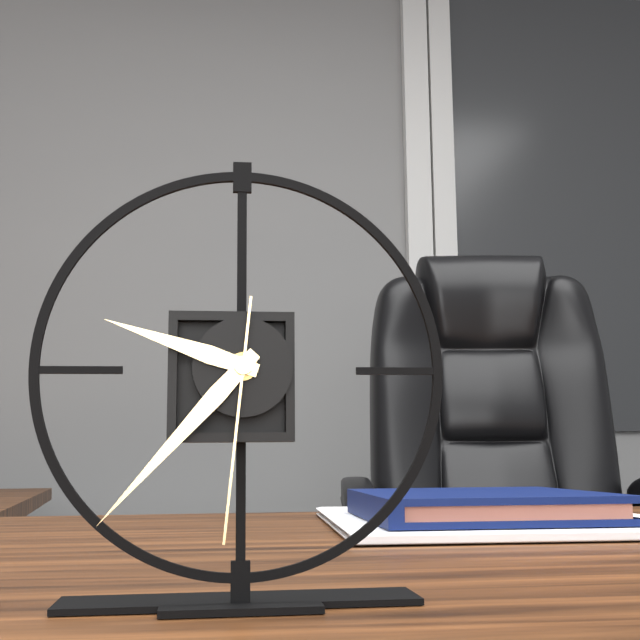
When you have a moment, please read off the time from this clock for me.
9:37:31
